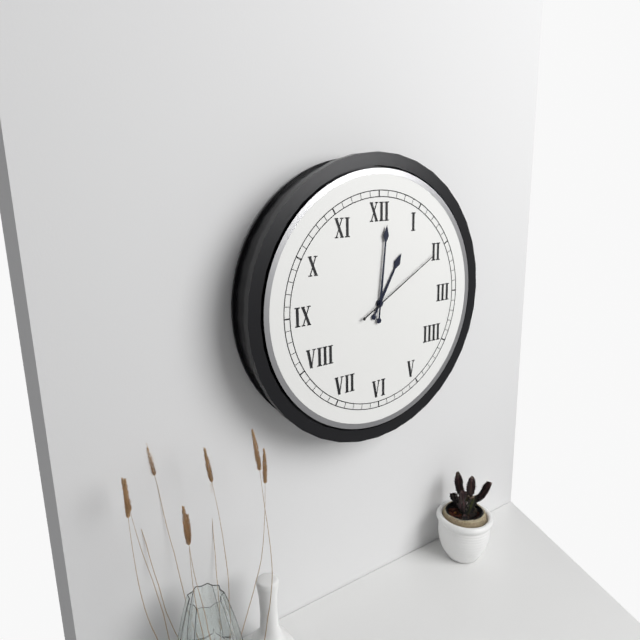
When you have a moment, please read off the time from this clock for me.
1:01:10
